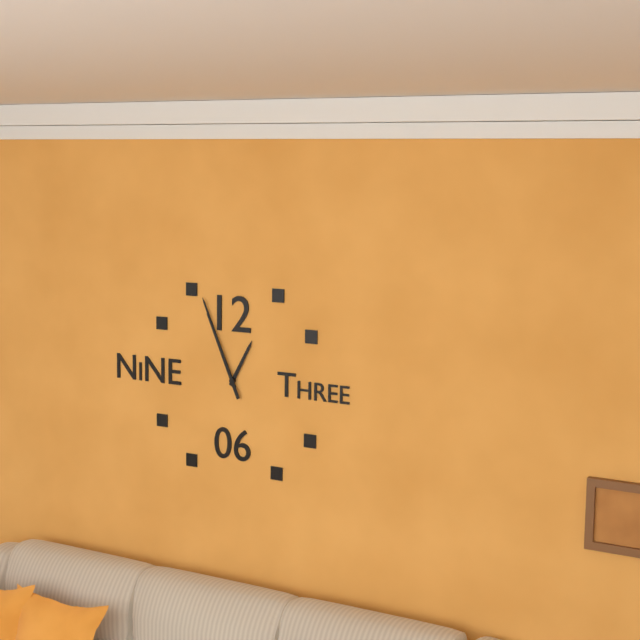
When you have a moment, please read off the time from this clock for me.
12:56:56
